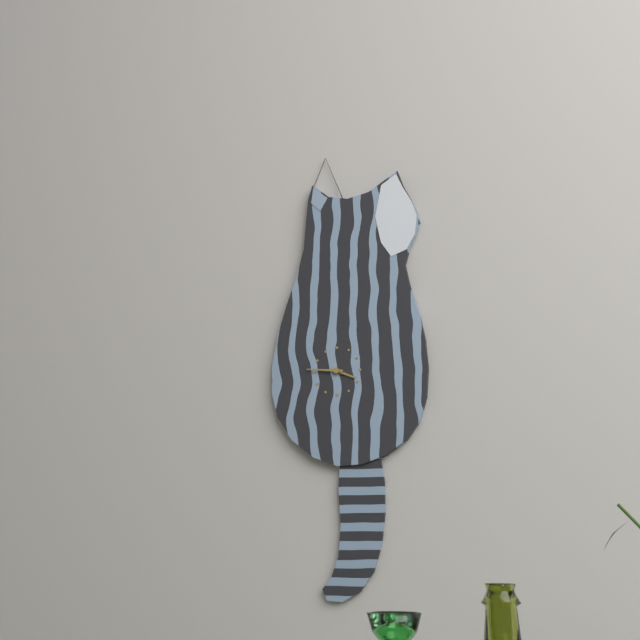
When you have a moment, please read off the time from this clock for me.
3:46
